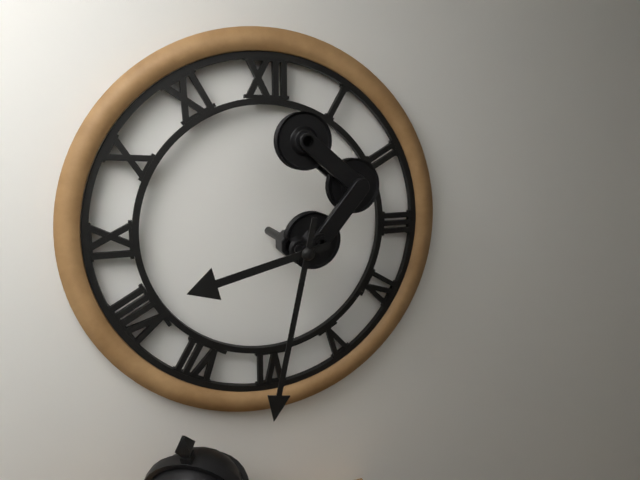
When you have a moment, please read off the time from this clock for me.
8:32
